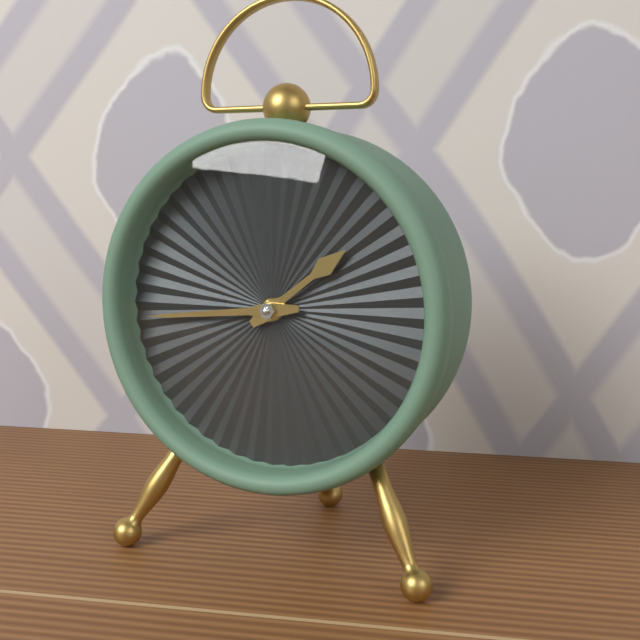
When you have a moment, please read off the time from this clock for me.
1:44
